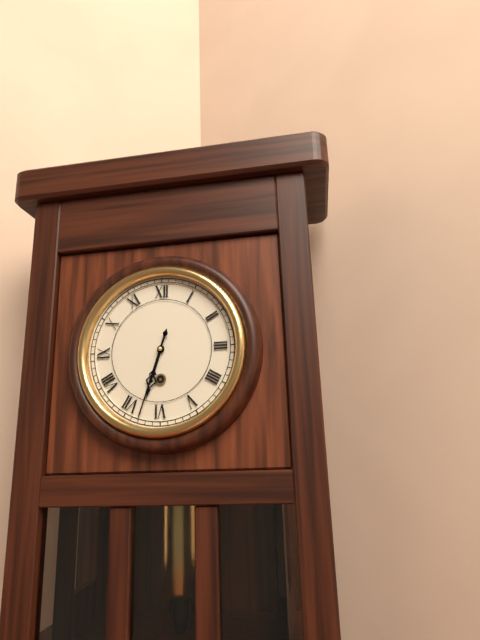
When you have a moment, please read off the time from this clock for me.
6:33
